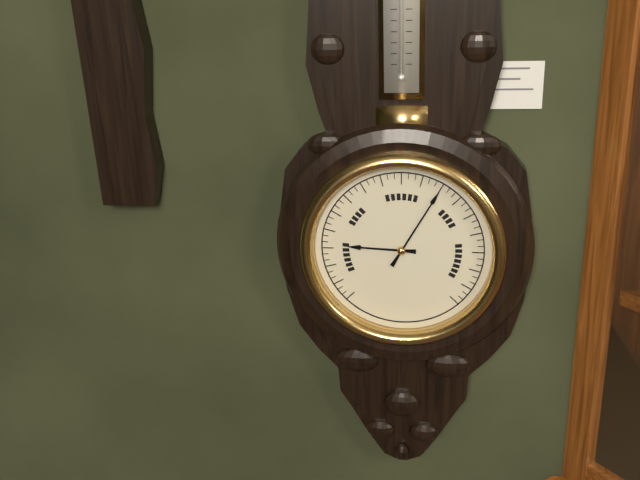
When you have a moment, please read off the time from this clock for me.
9:05
